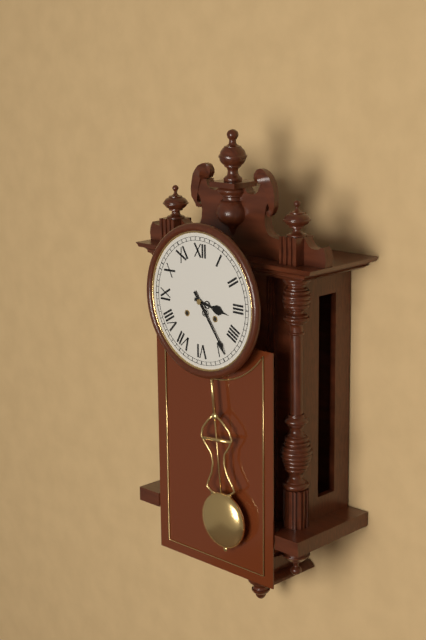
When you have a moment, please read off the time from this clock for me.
3:24
